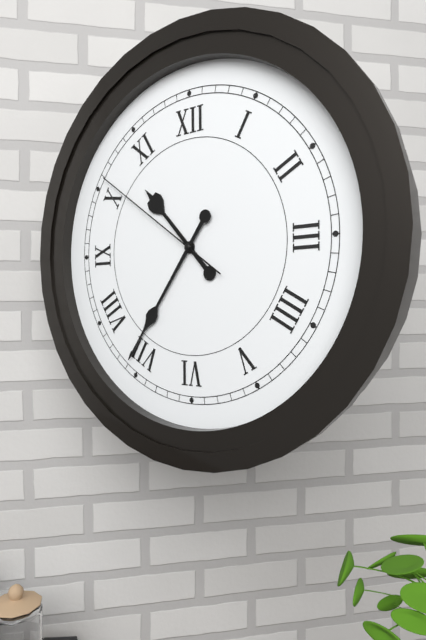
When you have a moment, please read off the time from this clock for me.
10:36:51
